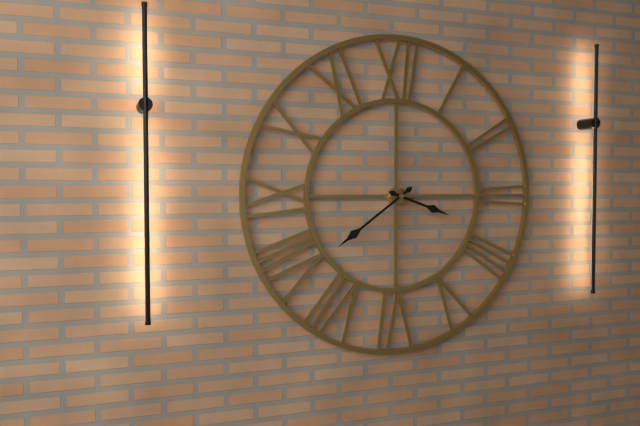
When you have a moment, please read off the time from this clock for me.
3:39
